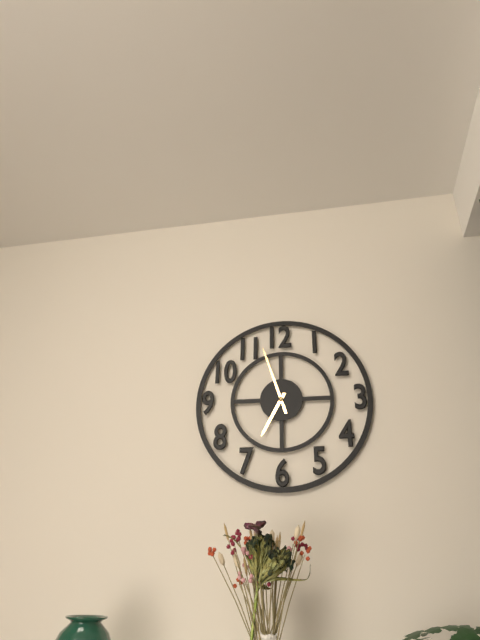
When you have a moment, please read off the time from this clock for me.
6:57
